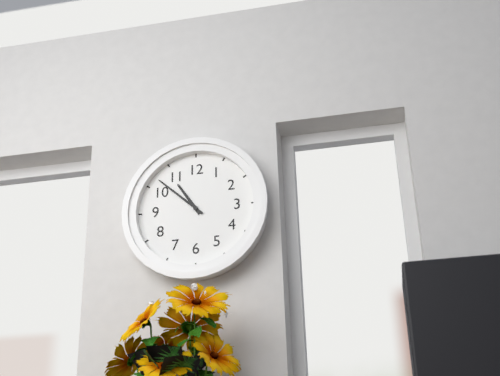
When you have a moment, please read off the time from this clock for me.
10:52
